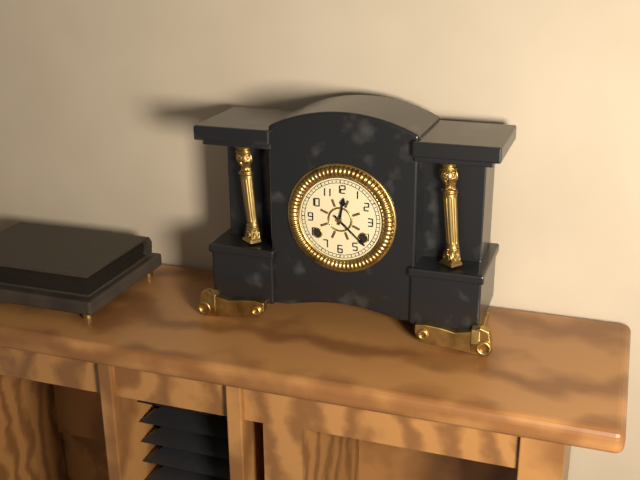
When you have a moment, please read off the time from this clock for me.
12:22
